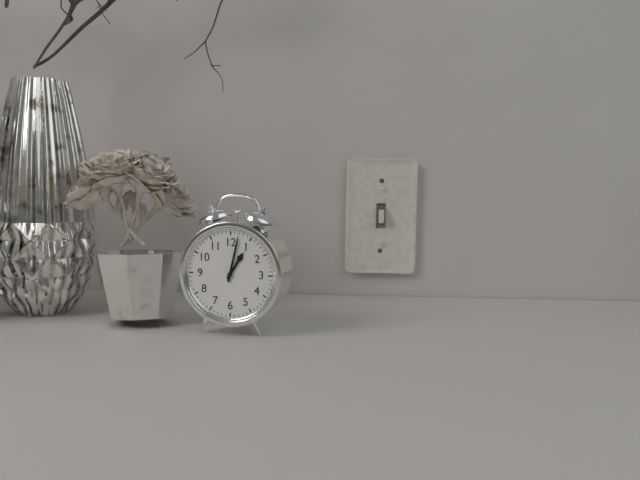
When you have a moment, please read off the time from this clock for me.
1:02
